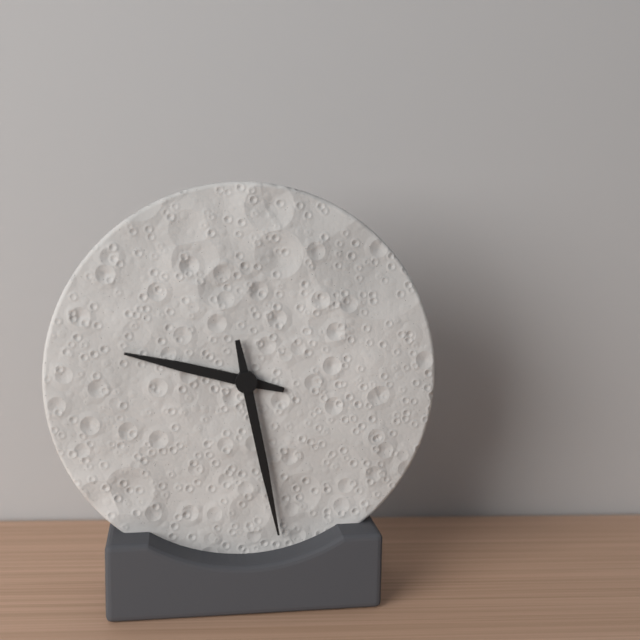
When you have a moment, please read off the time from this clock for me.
9:28
